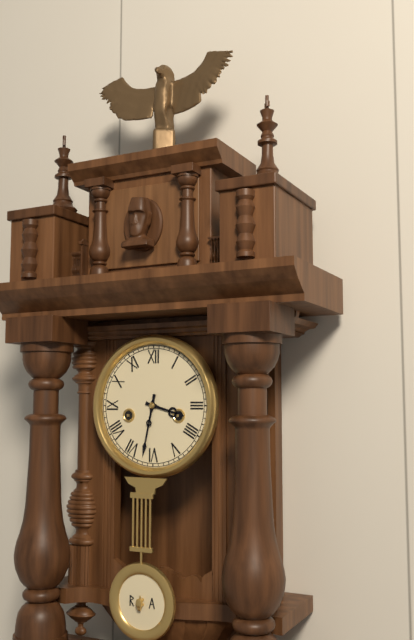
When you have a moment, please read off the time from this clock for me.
3:32
